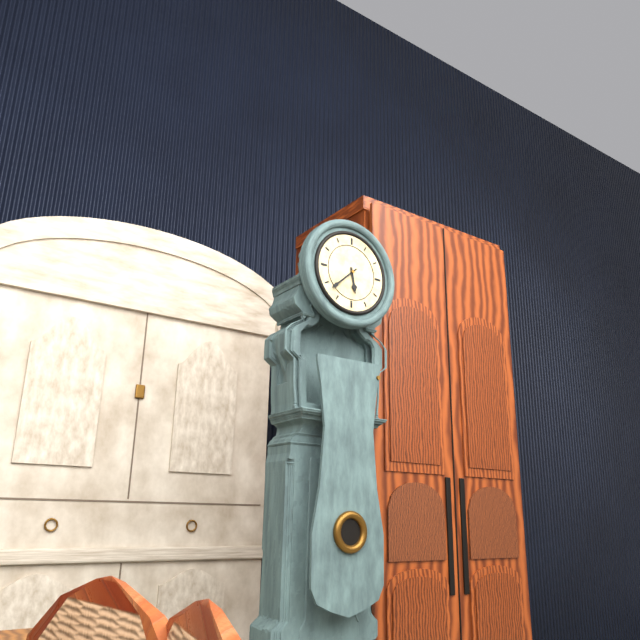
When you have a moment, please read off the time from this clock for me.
5:38
